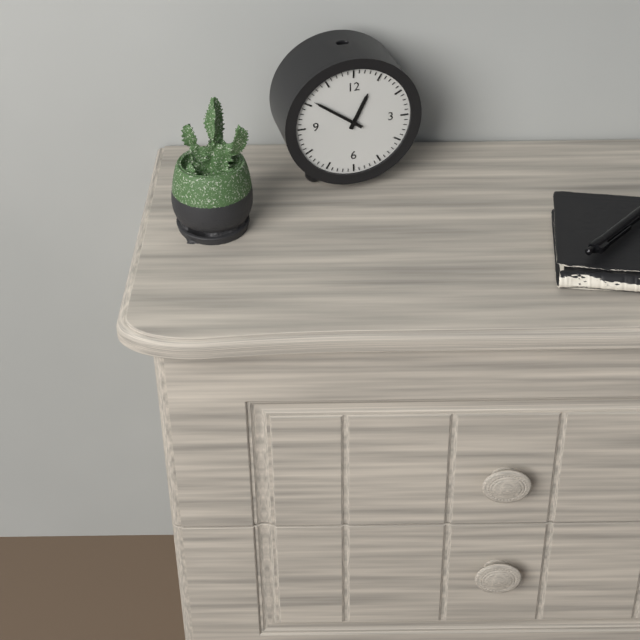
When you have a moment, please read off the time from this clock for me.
12:51
